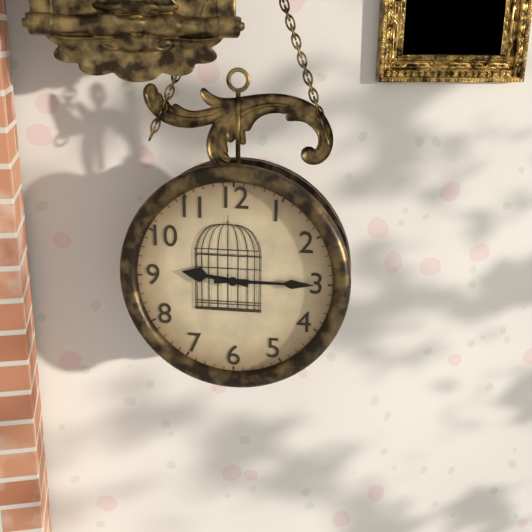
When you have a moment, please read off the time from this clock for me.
9:15
